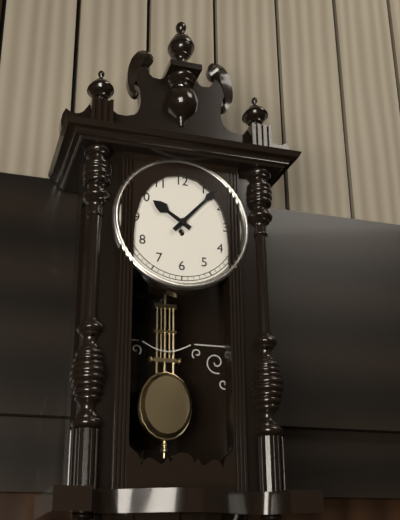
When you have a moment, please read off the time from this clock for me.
10:07
